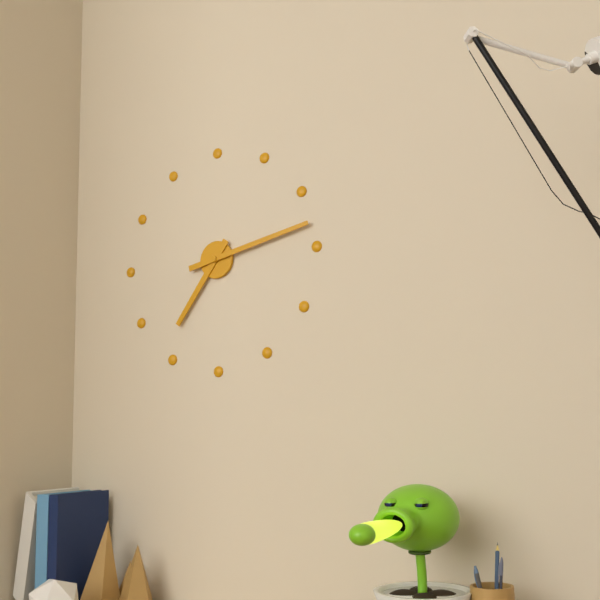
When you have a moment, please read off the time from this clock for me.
7:13
